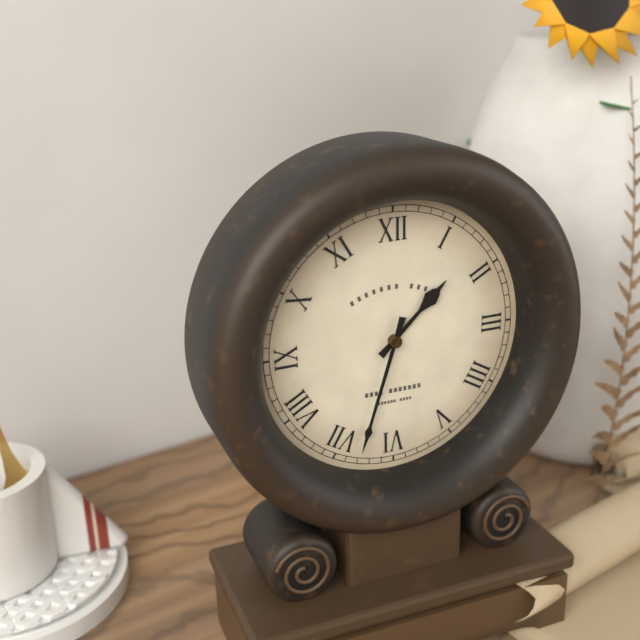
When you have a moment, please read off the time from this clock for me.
1:33
